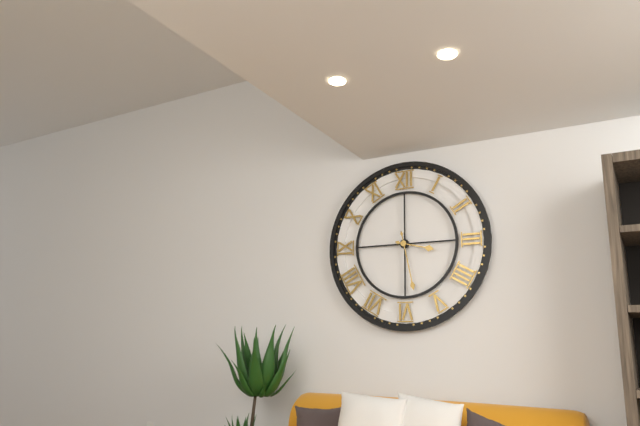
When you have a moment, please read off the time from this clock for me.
3:28
